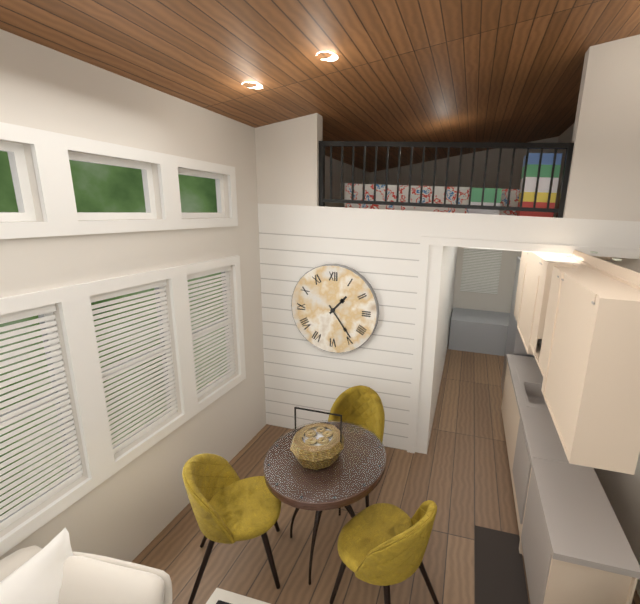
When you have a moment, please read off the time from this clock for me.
1:24
